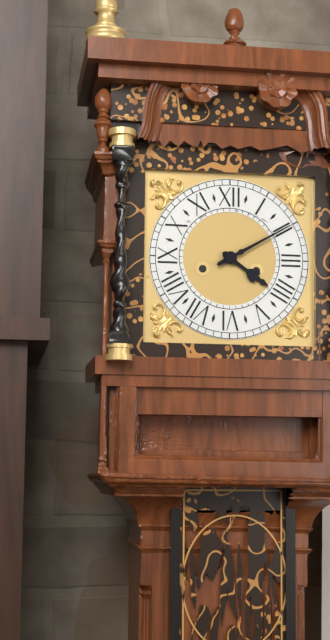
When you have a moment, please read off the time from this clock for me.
4:10
